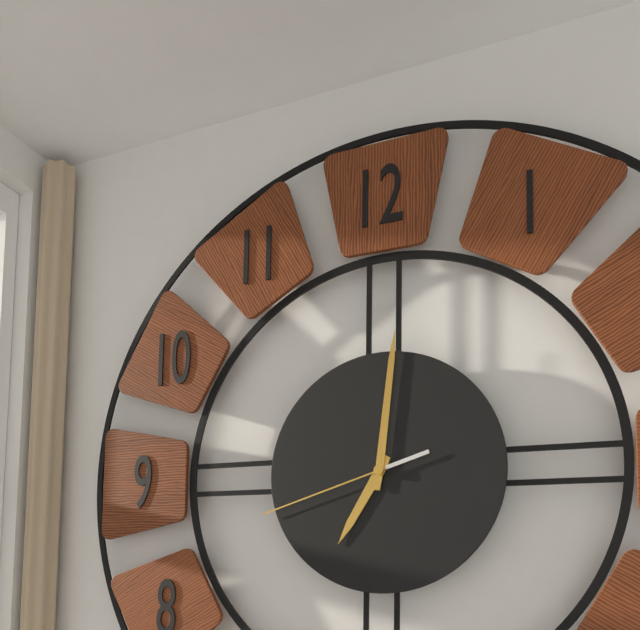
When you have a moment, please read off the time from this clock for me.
7:01:42
